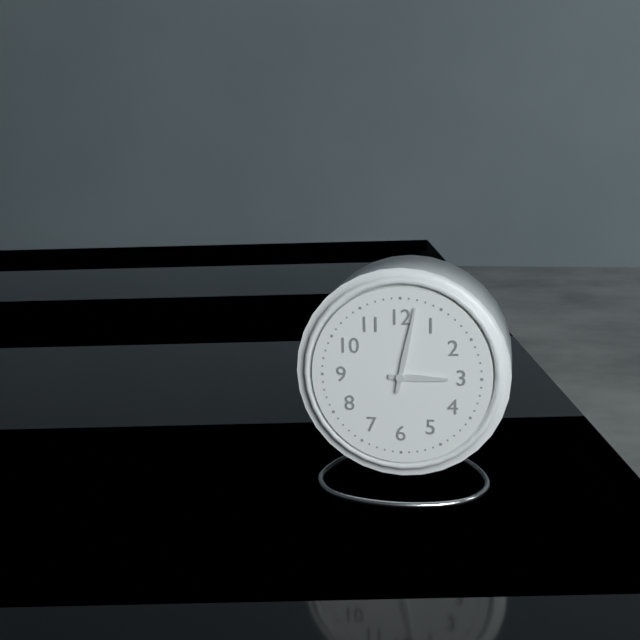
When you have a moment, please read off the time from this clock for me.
3:02
